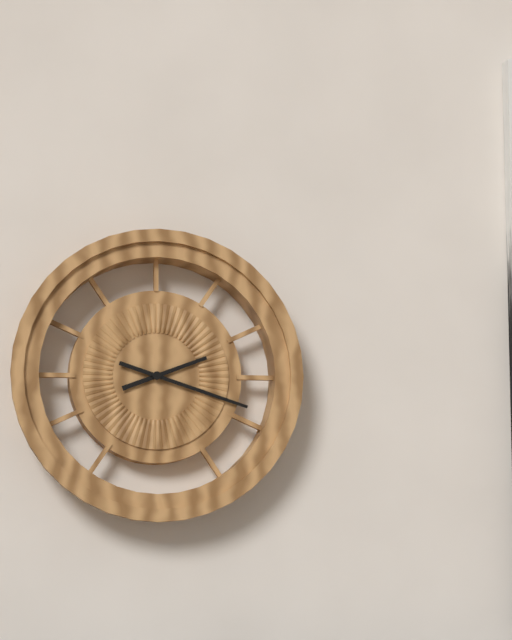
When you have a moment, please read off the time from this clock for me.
2:18
